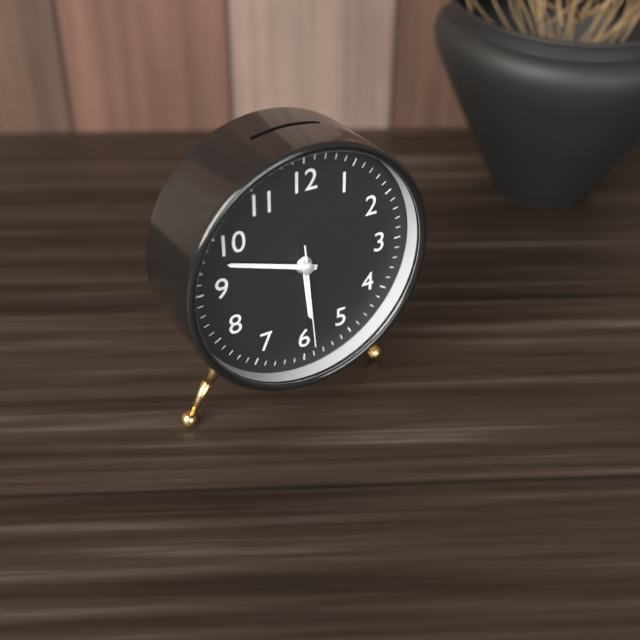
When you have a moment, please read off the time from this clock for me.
5:48:29
